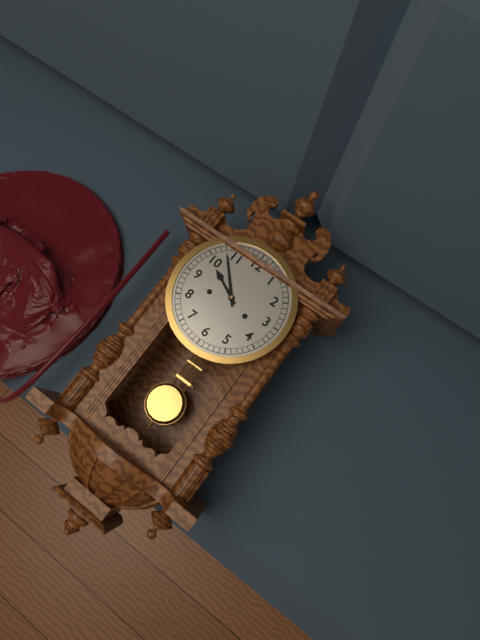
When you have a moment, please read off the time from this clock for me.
9:53
